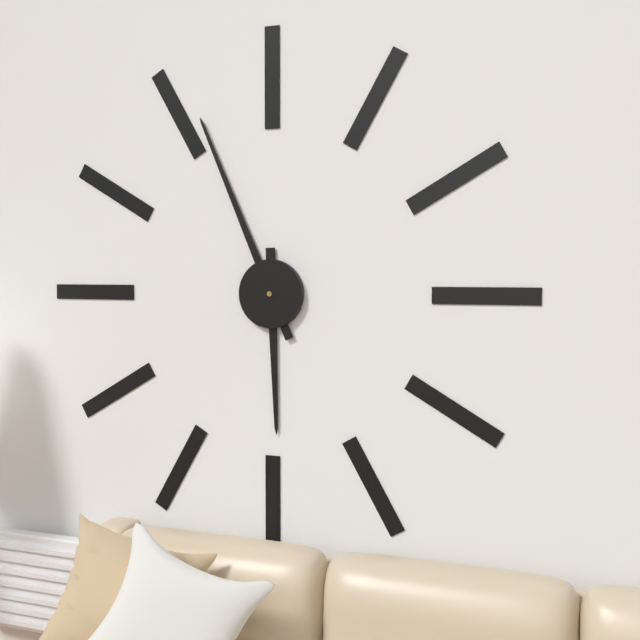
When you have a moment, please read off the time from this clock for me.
5:56
